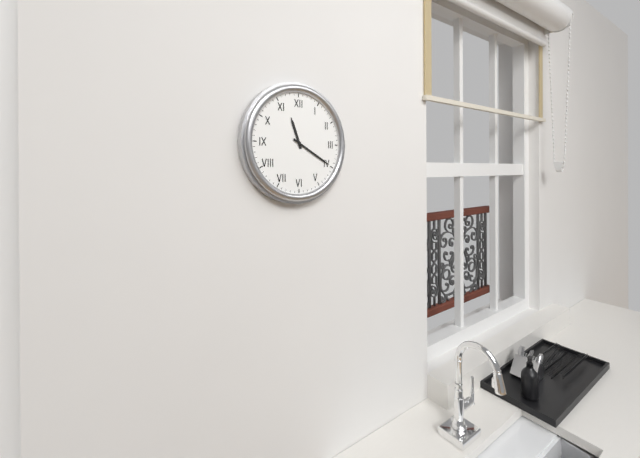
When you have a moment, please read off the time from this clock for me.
11:20
